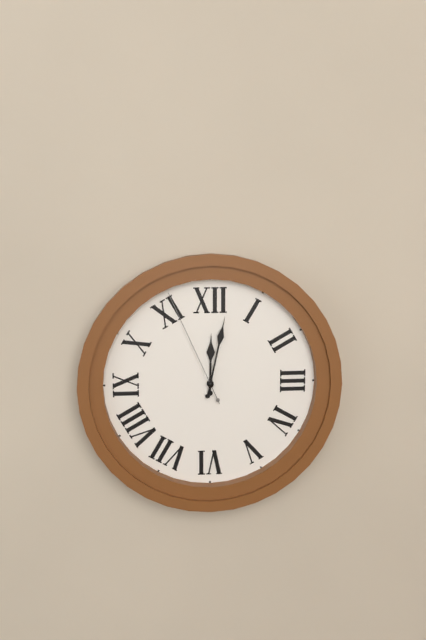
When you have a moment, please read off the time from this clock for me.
12:02:56
